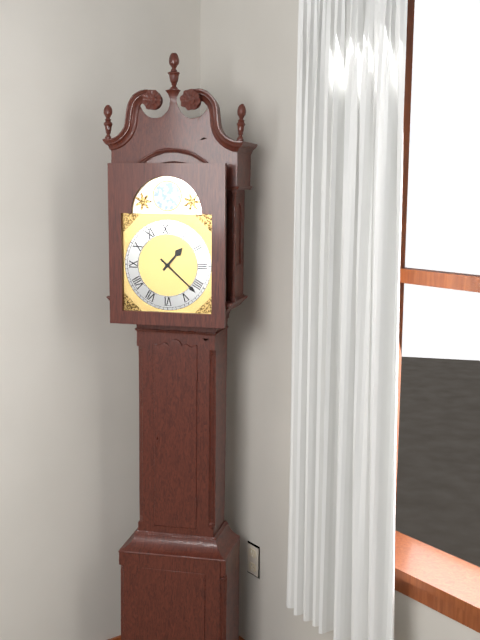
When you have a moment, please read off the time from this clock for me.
1:22
